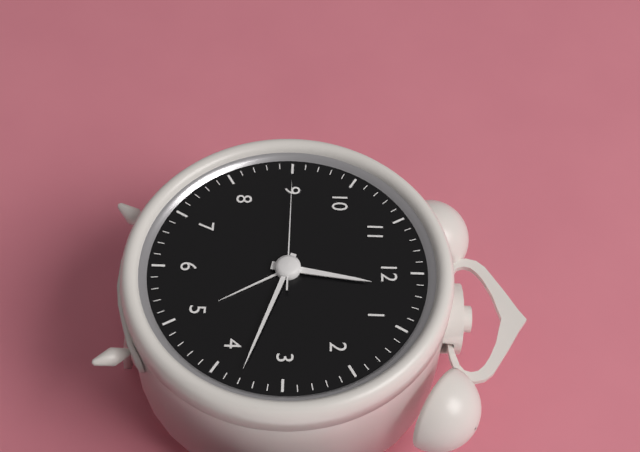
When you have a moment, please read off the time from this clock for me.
12:18:45
